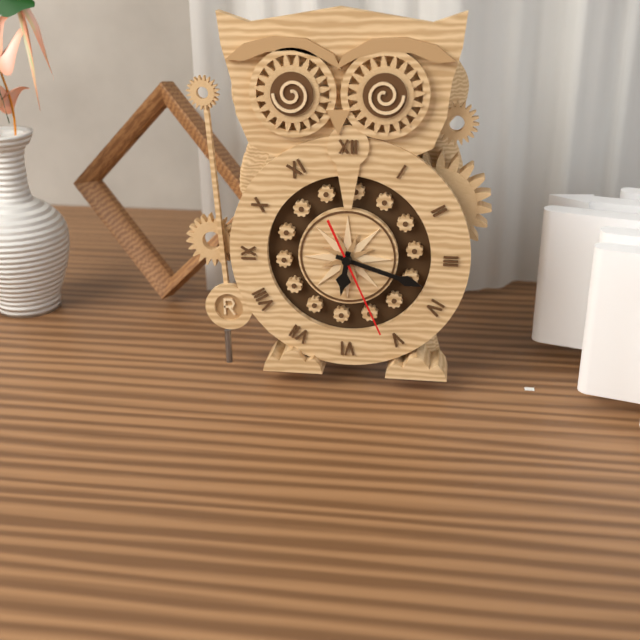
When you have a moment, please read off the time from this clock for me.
6:18:26
